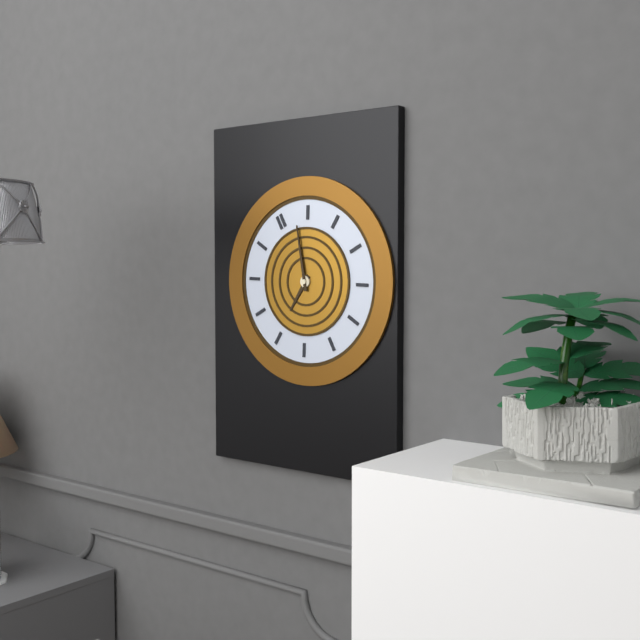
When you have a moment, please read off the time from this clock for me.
8:03
